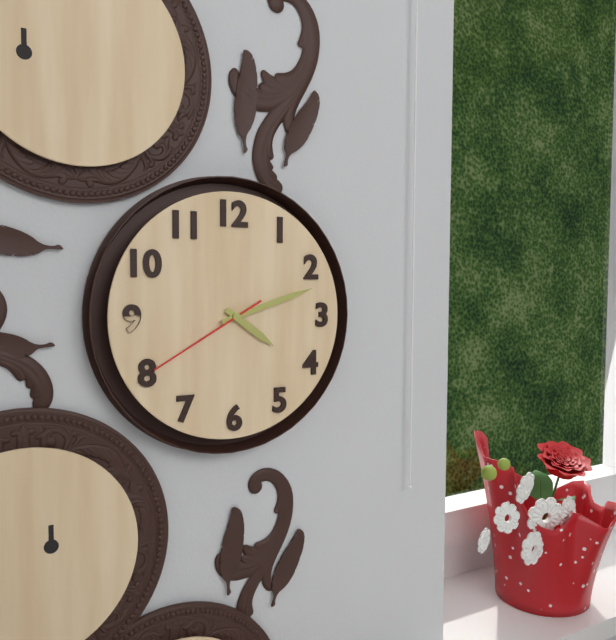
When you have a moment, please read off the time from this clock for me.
4:12:40
